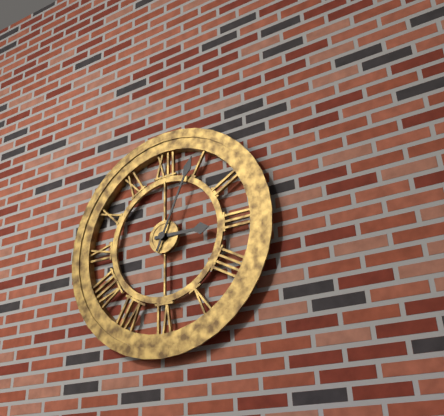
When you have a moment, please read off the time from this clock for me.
3:04
